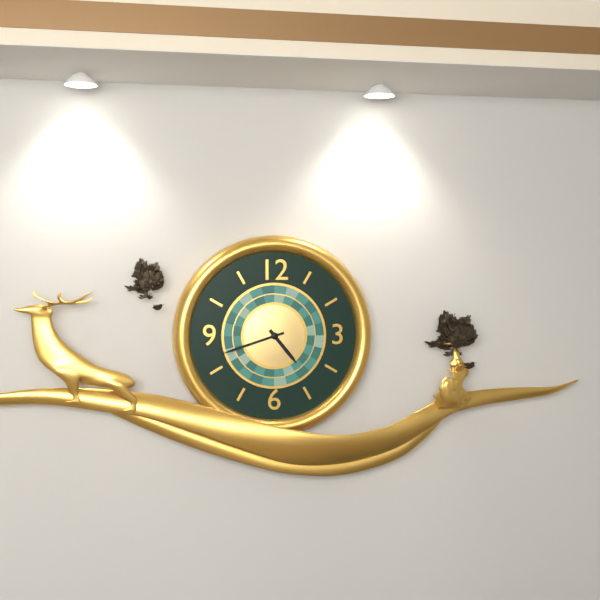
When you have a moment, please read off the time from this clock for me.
4:42
